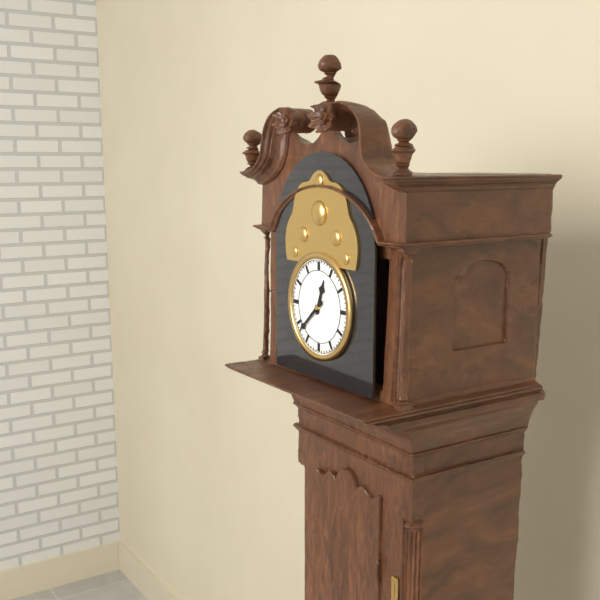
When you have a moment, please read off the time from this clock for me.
12:38
